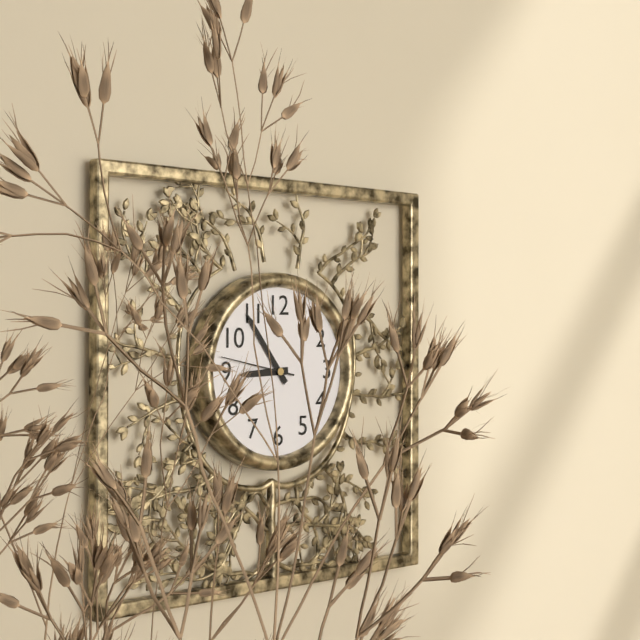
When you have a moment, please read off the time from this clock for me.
8:54:47
